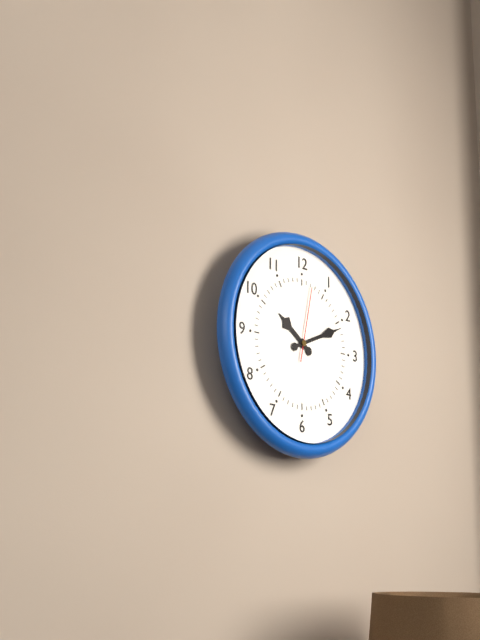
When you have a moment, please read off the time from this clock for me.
10:11:02
